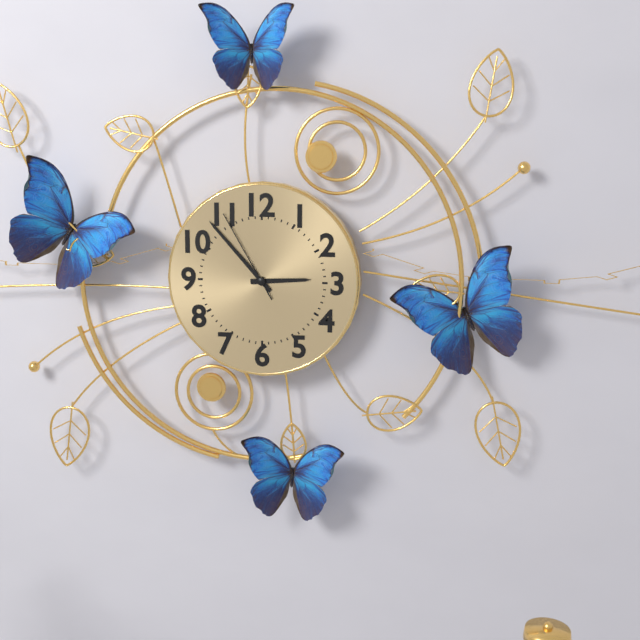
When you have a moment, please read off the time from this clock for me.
2:53:55
